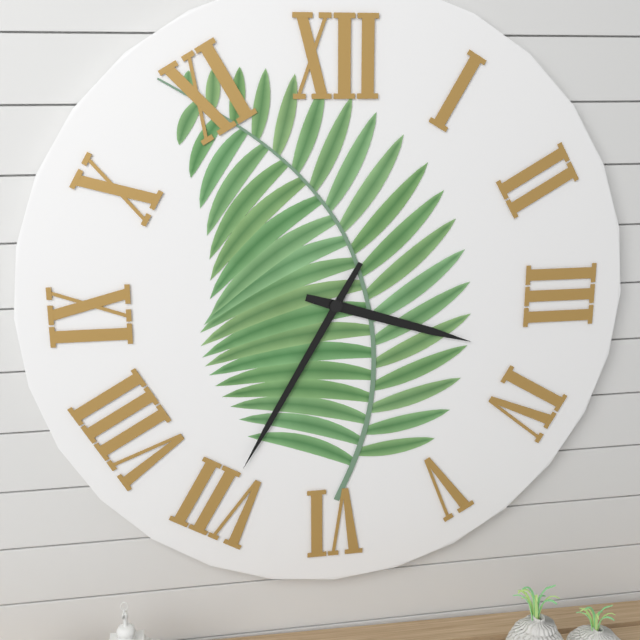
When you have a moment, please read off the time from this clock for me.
3:35
